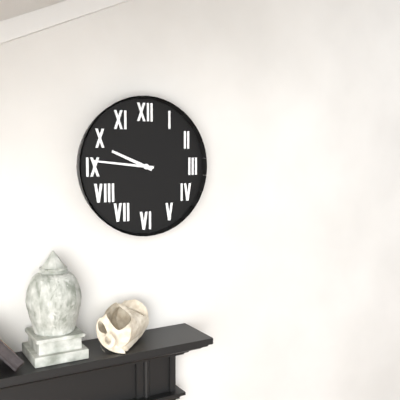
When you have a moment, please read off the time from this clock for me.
9:46
